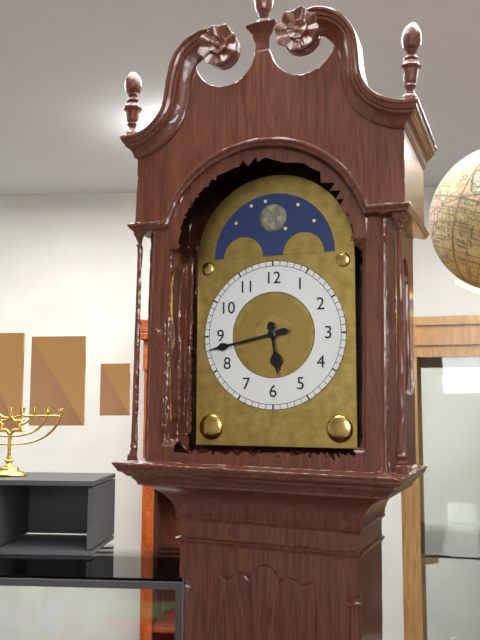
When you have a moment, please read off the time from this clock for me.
5:43
